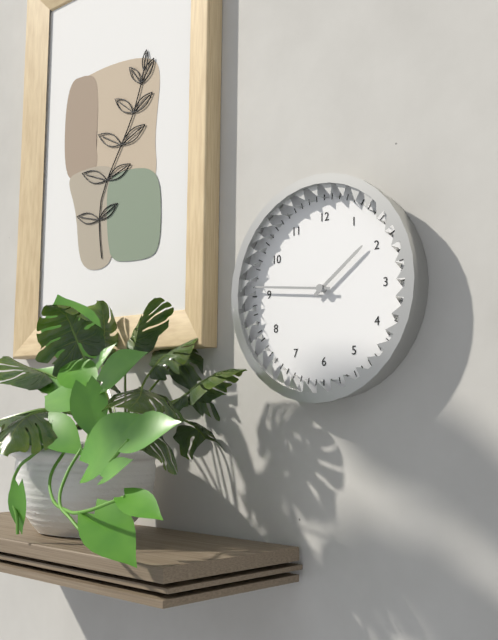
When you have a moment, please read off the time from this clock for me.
1:46
